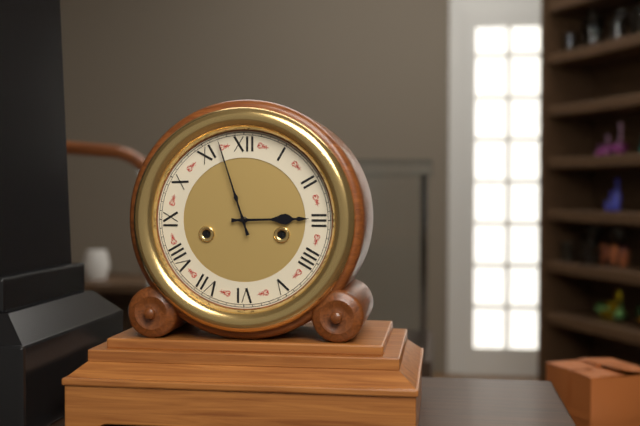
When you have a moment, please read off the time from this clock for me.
2:57
